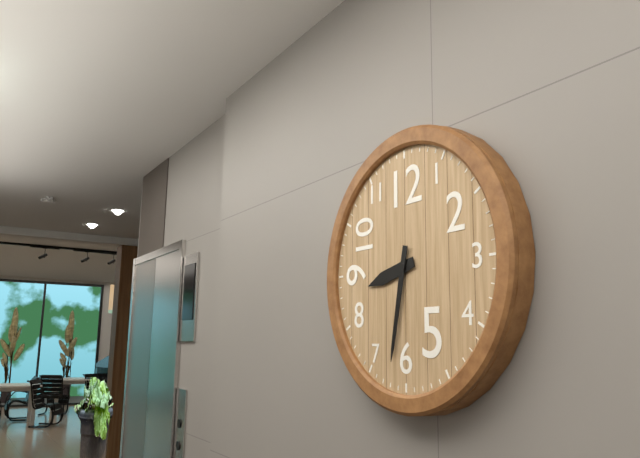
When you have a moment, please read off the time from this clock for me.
8:32
